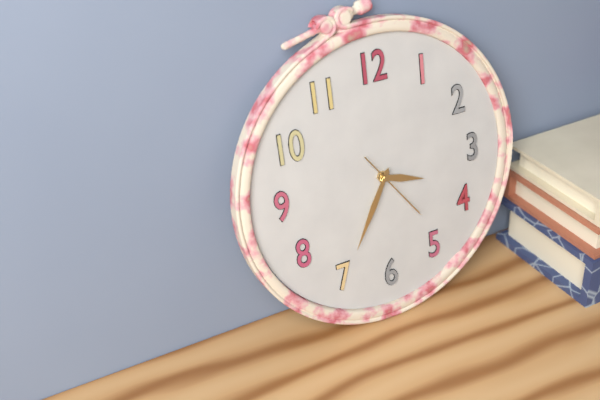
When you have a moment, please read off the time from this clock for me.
3:35:24
